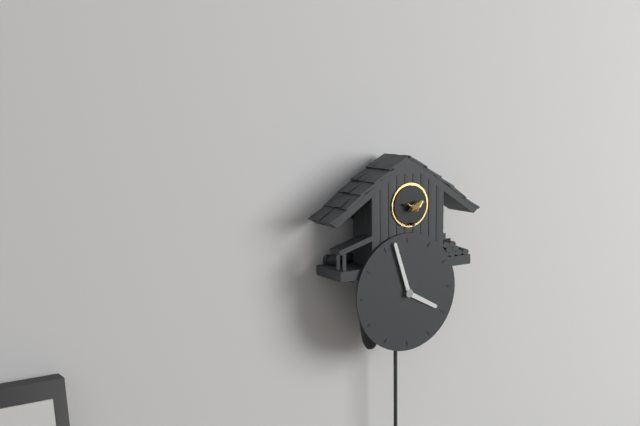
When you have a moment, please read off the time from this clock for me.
3:57
